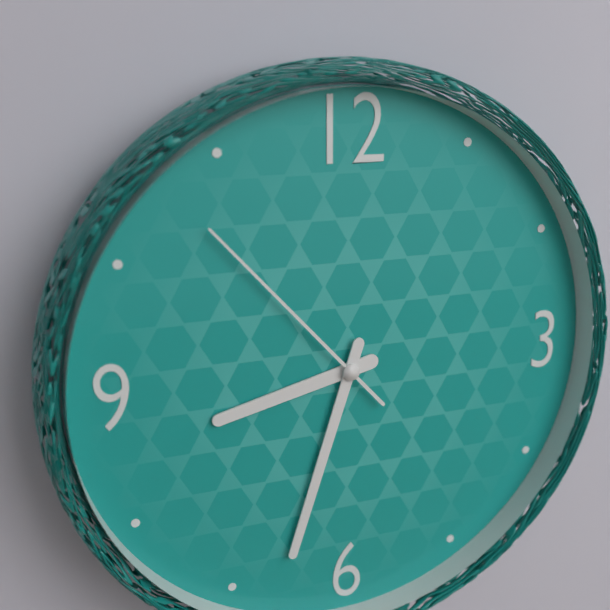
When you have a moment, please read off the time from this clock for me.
8:33:53
